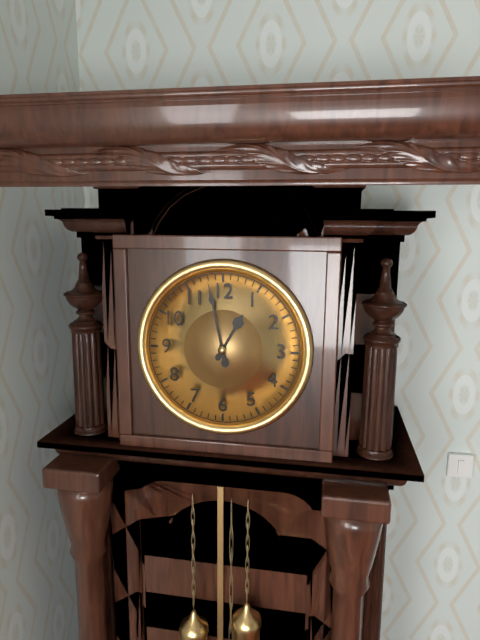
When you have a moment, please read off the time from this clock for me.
12:58
